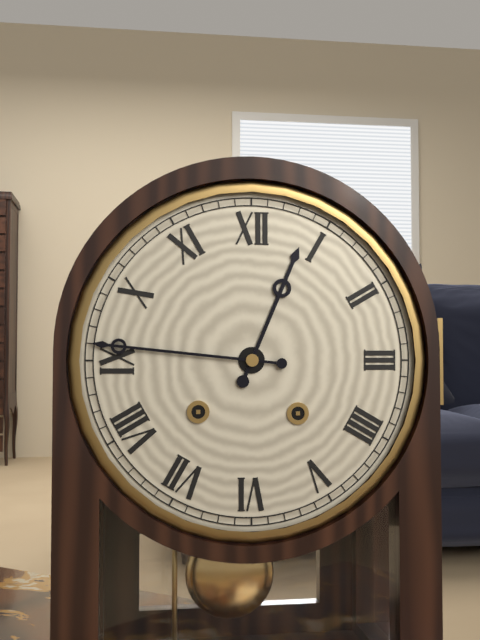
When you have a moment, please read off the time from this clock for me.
12:46
